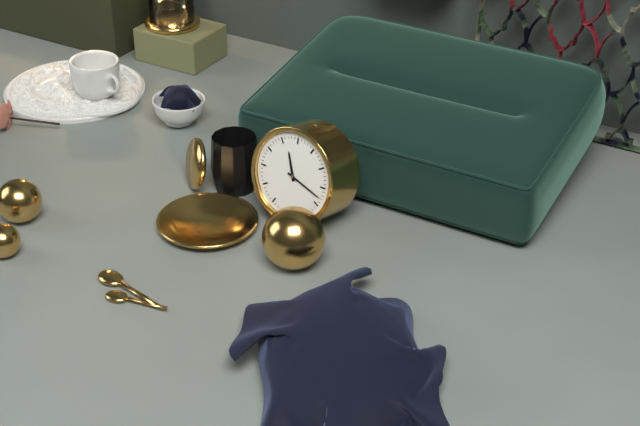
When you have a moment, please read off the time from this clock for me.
11:18
